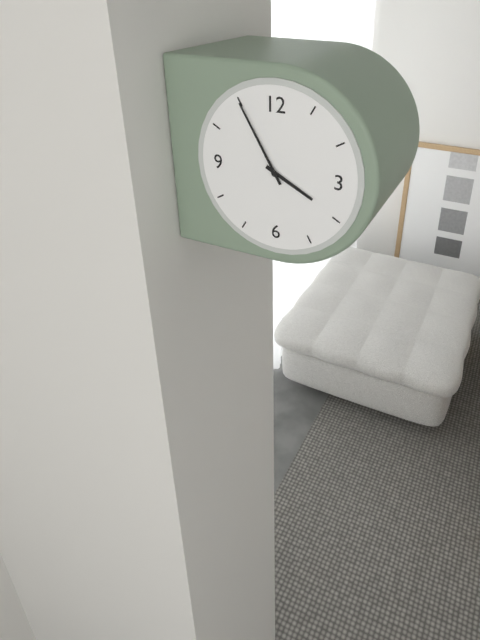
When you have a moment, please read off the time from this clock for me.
3:55
